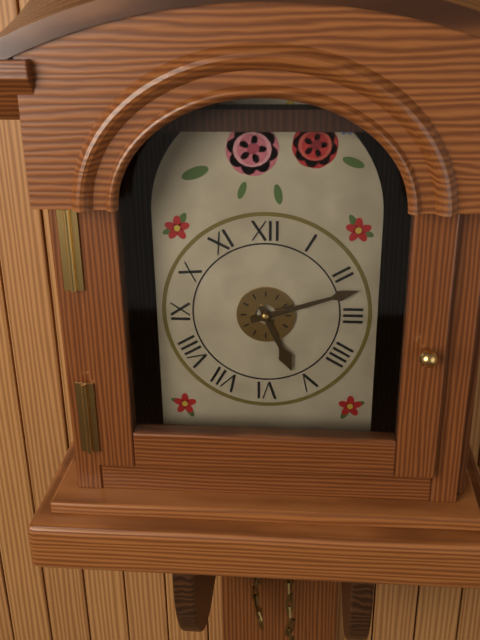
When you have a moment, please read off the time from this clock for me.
5:12
